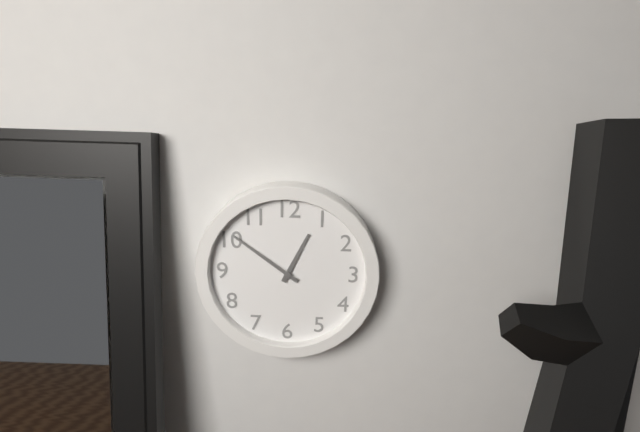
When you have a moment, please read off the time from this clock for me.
12:51
